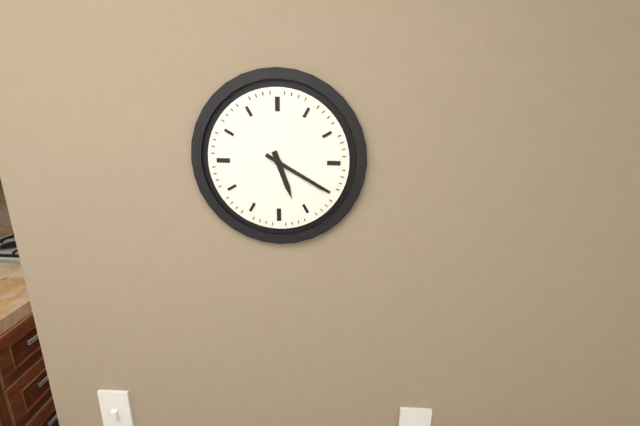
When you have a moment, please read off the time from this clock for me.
5:20
